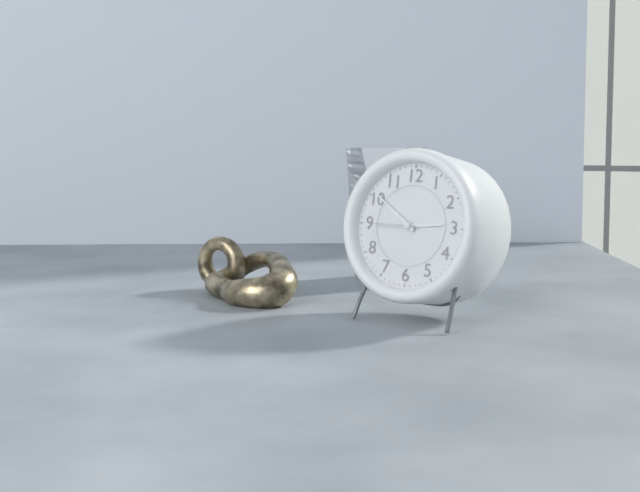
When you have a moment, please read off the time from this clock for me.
2:51
